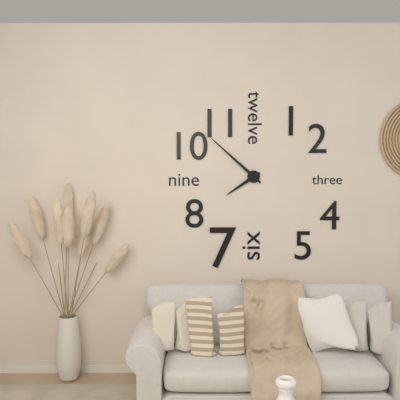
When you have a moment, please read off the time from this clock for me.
7:52
